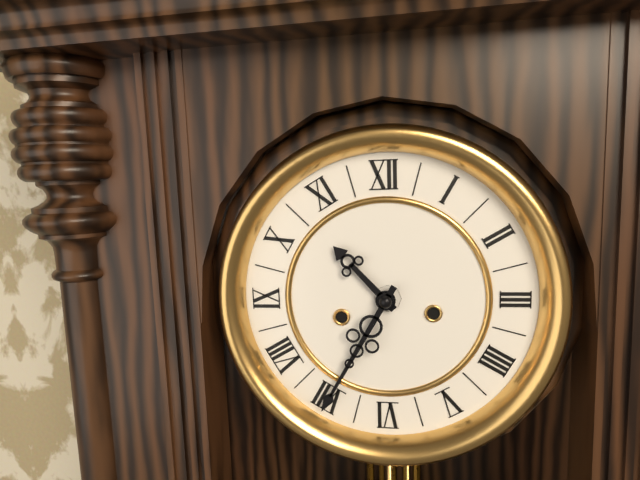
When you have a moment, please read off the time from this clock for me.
10:35
